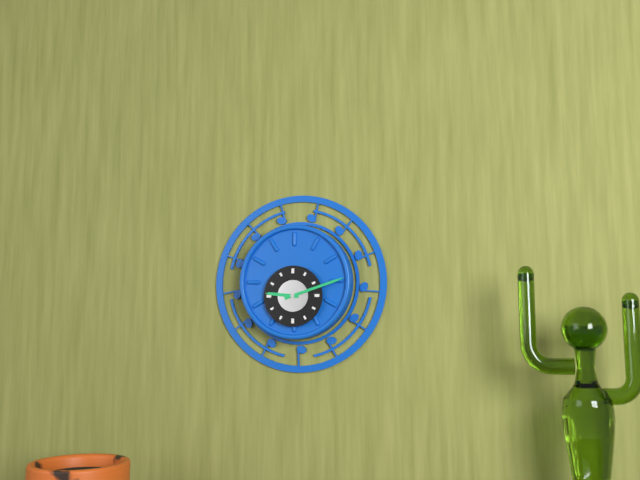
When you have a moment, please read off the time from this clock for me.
9:12
